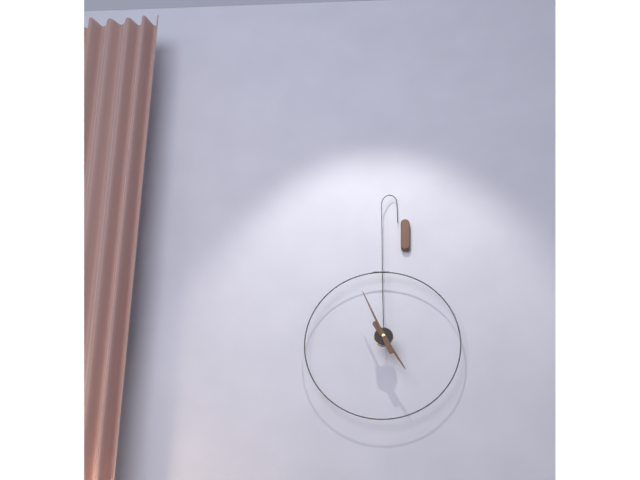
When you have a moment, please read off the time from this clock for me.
4:56
